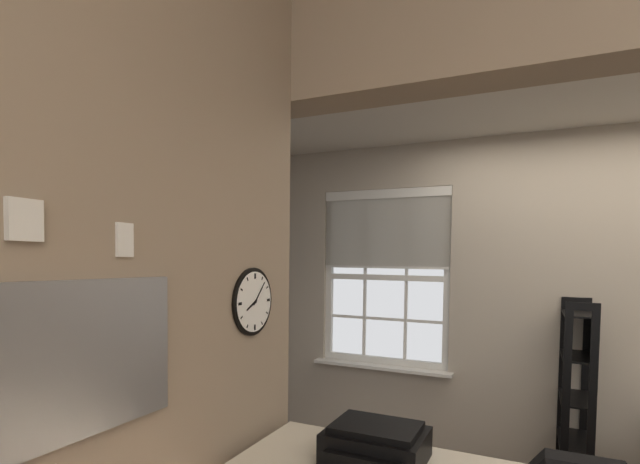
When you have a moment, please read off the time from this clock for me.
8:07
